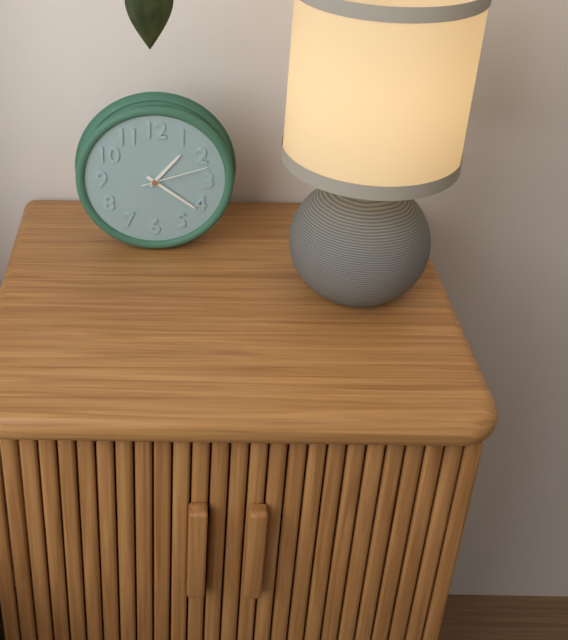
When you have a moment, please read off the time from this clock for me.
1:21:12
